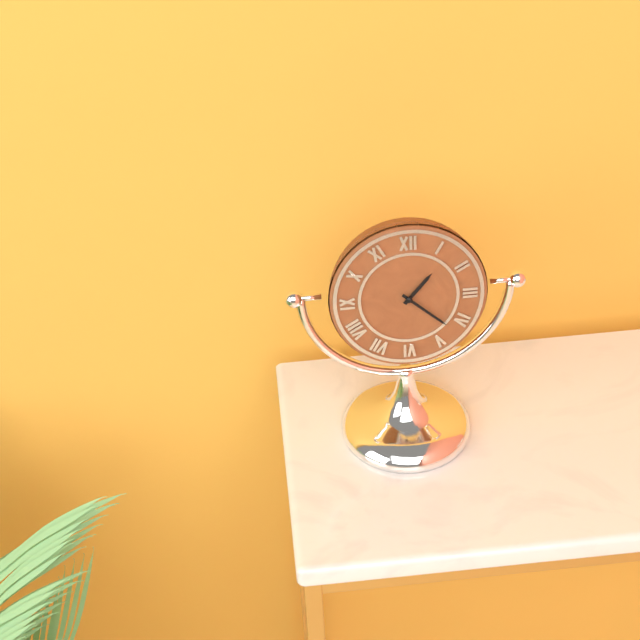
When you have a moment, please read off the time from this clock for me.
1:22
